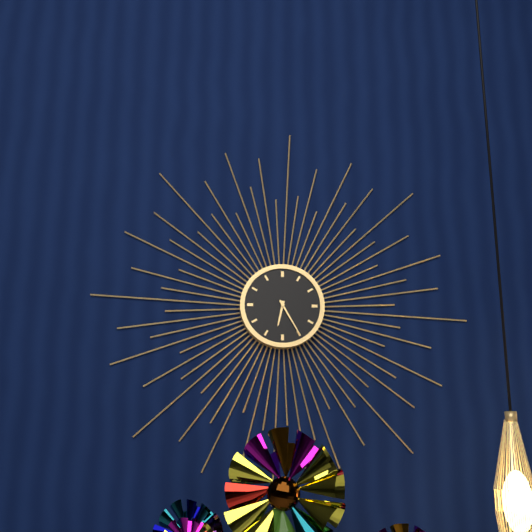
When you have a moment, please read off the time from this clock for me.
6:25
